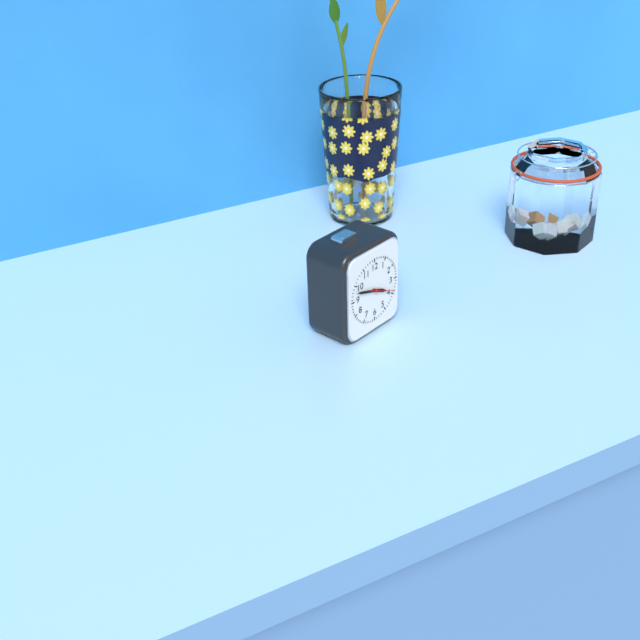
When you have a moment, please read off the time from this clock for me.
3:48
